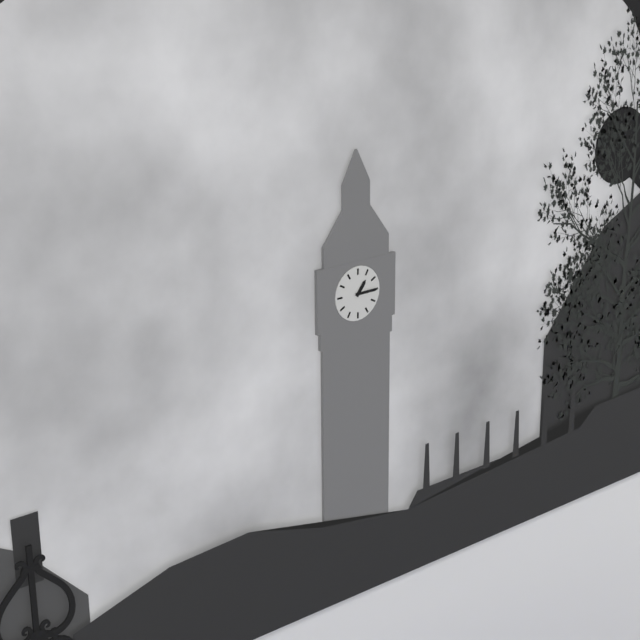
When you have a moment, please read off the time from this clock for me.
1:15
